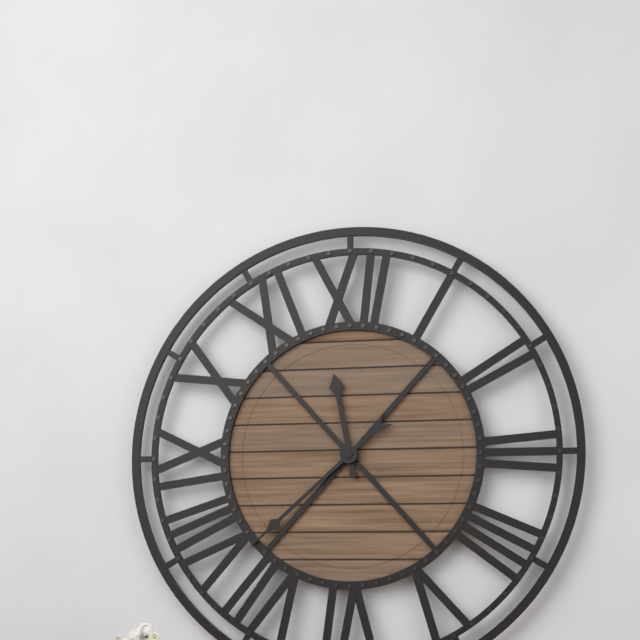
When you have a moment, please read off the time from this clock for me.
11:38
